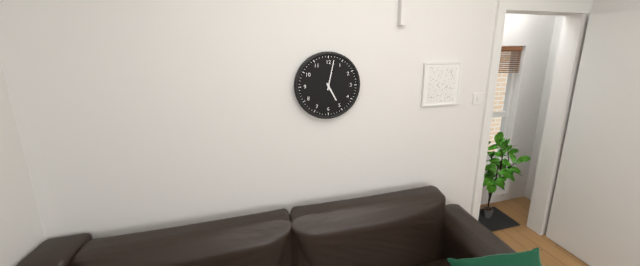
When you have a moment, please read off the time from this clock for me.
5:02
